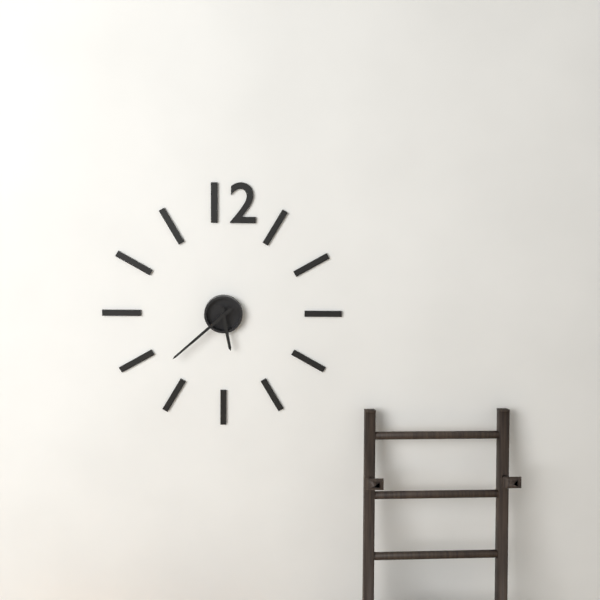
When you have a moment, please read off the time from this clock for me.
5:38
